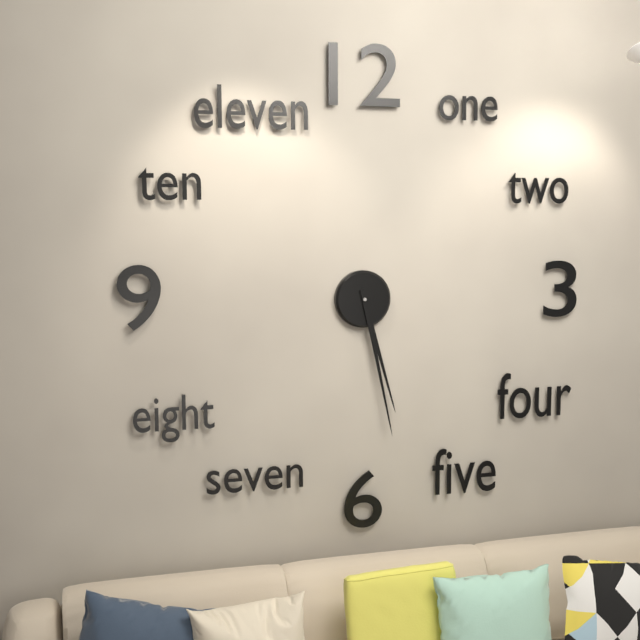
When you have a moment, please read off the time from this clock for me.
5:28
